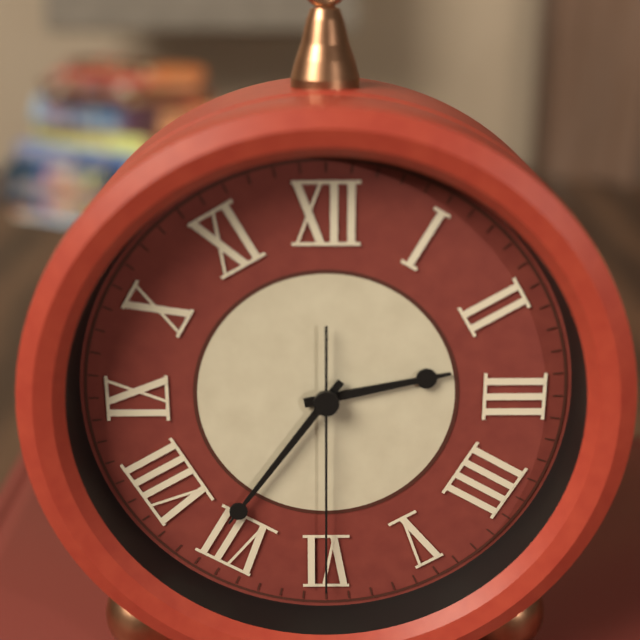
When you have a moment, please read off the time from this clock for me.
2:36:30
